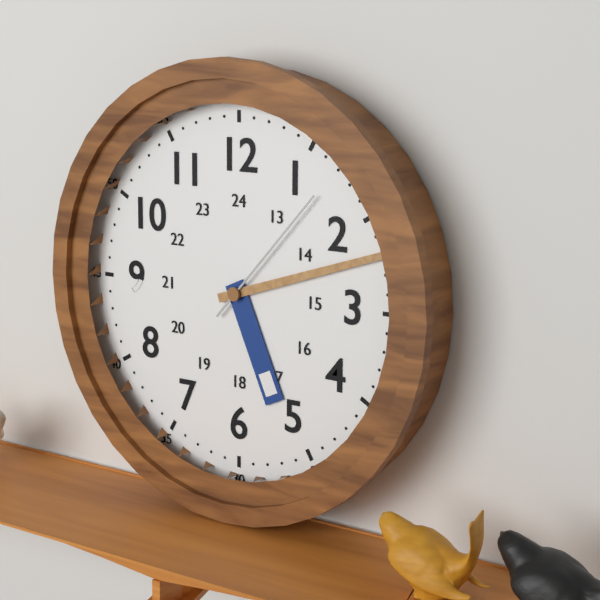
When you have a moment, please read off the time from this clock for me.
5:12:07
